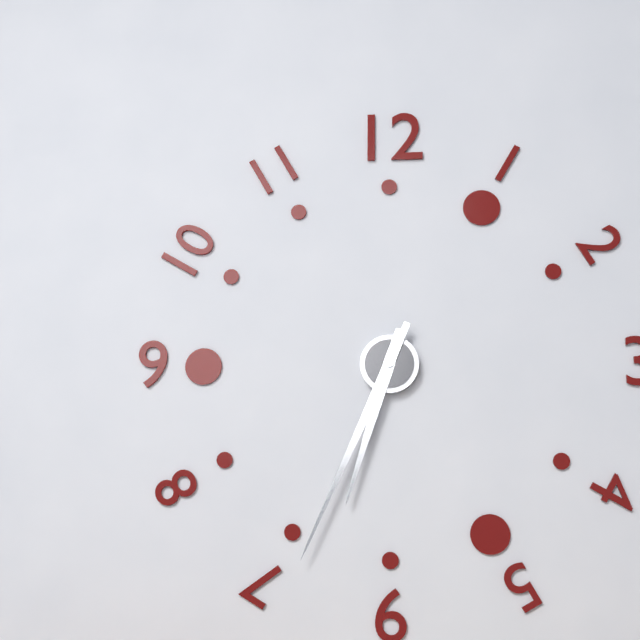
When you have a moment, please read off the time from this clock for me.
6:34
